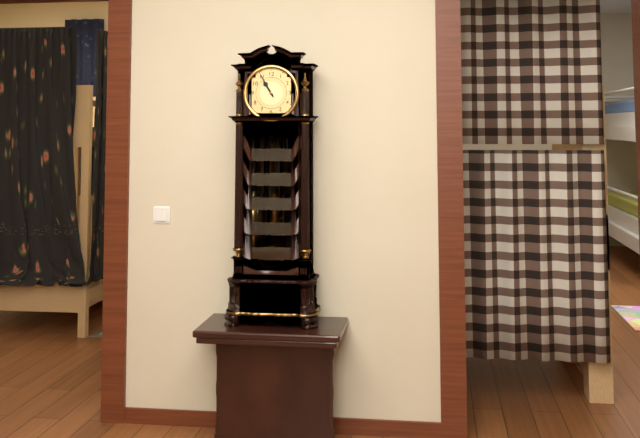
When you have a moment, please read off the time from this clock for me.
10:55
